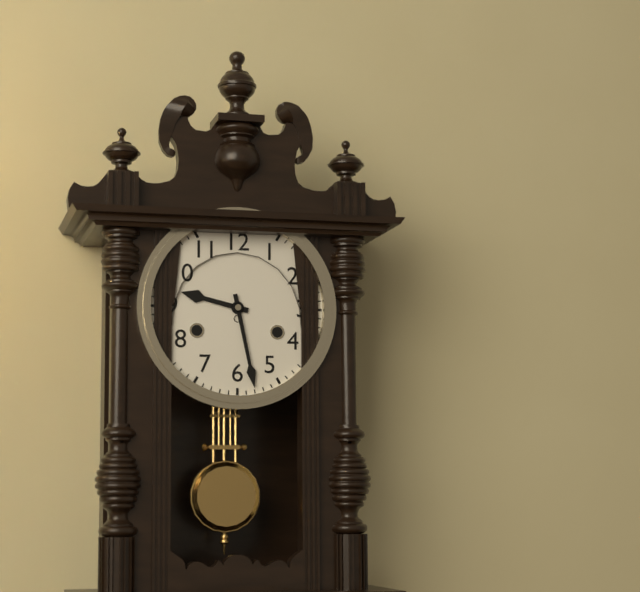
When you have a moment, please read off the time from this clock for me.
9:28
